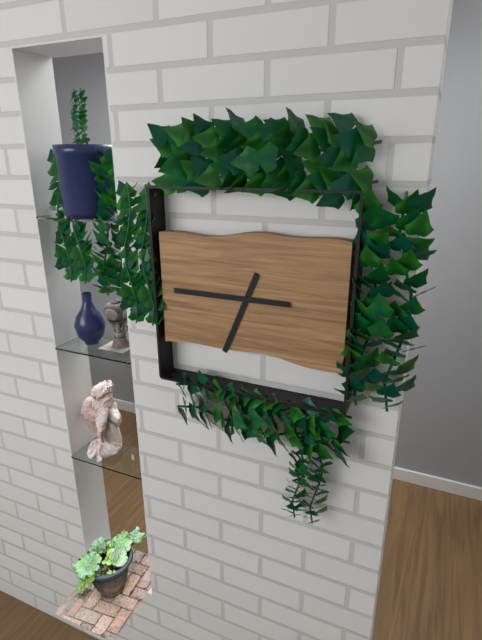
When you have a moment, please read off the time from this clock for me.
6:45
